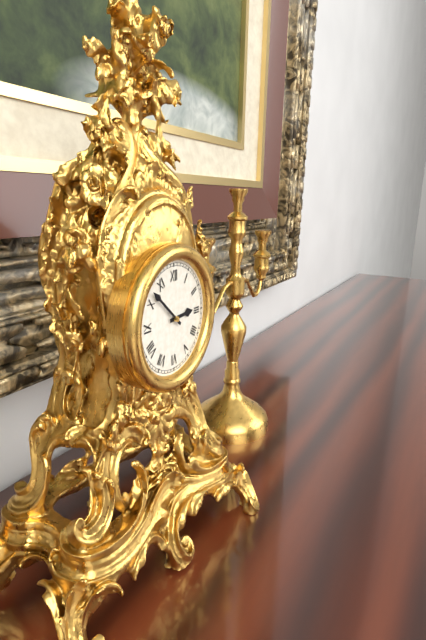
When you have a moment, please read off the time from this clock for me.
2:52
